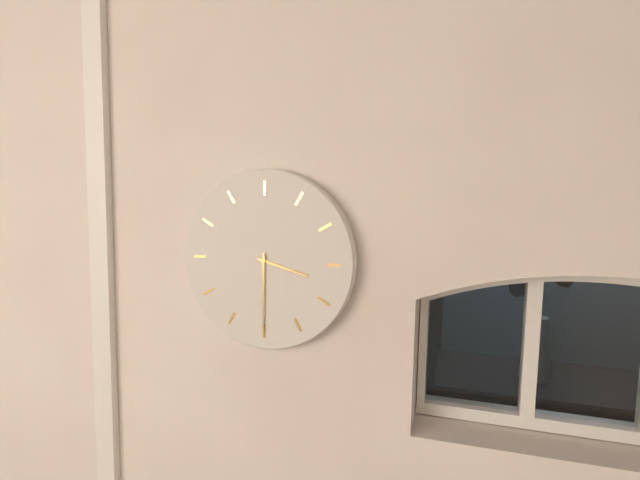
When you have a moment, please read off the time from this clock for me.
3:30
